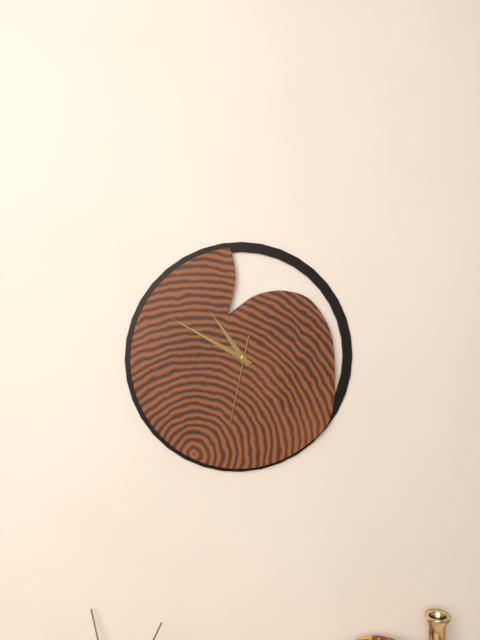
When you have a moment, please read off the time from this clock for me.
10:50:32
